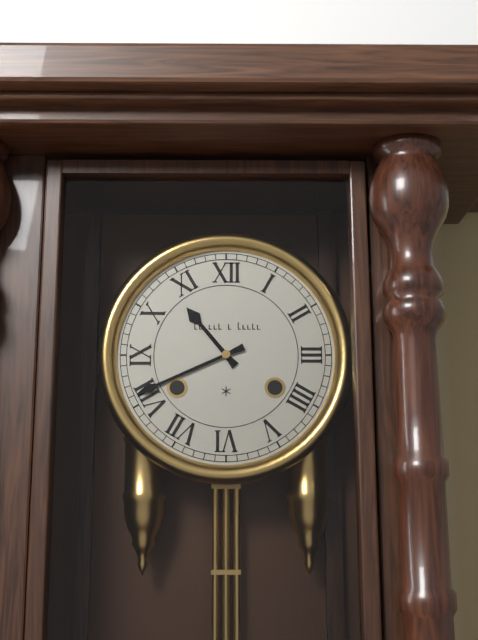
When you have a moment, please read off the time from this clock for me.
10:41
